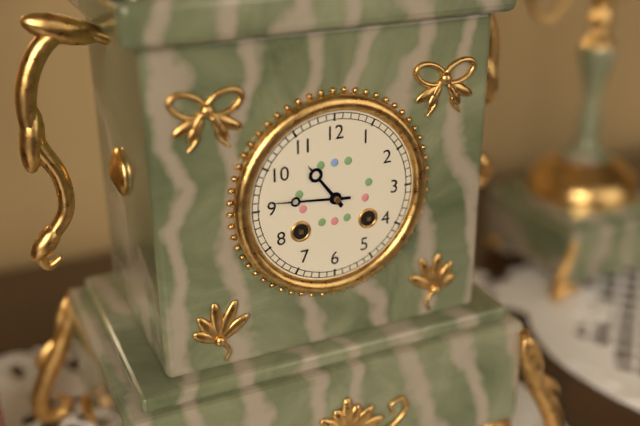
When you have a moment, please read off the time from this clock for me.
10:46
